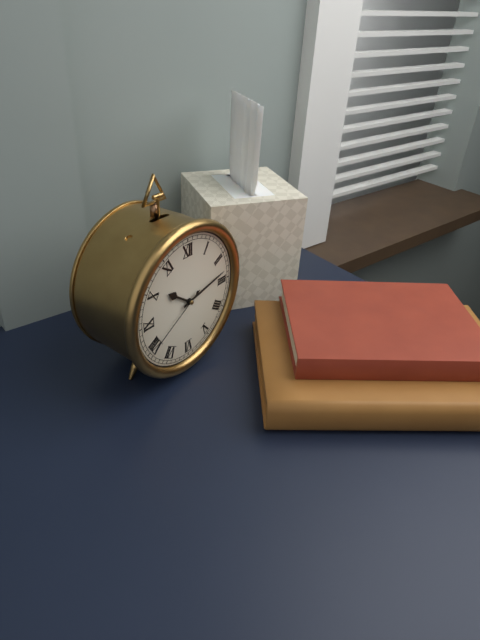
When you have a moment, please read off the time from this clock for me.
10:13:40
